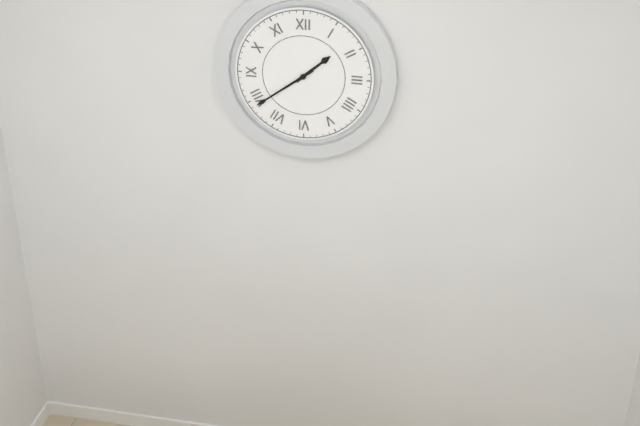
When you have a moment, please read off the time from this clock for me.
1:39
